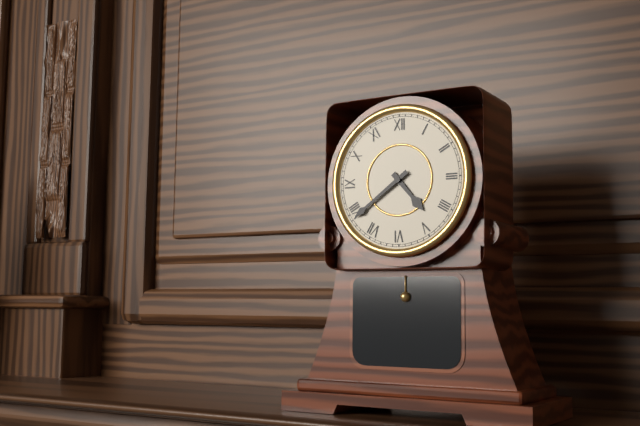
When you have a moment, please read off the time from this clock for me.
4:39
